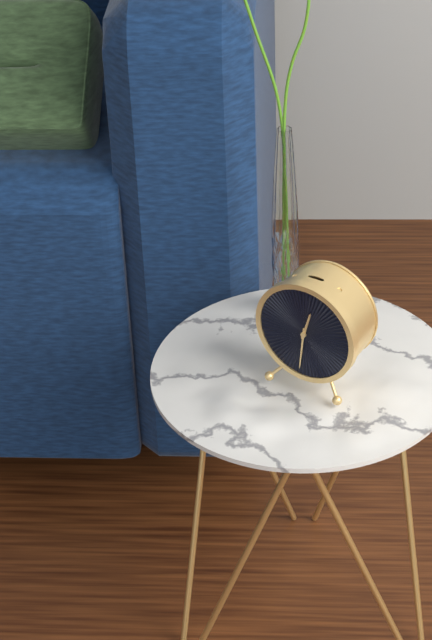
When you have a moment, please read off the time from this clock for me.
12:31
